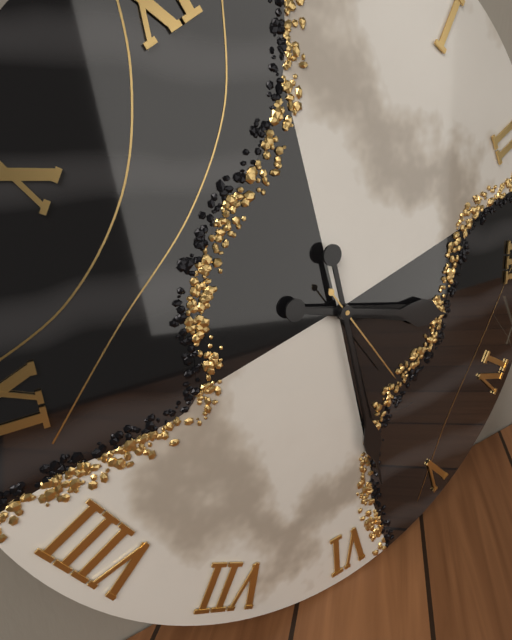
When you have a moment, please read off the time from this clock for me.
3:28:24
